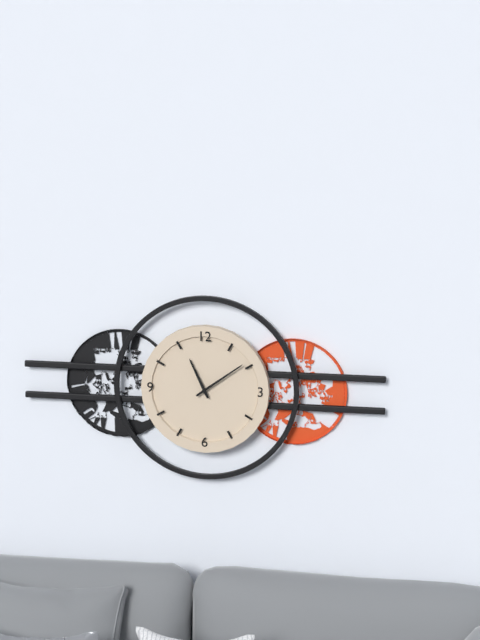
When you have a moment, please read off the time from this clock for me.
11:09
